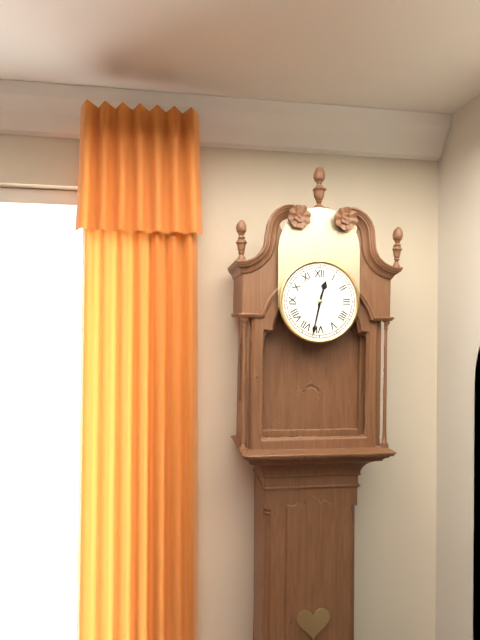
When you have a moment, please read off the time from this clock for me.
12:32
